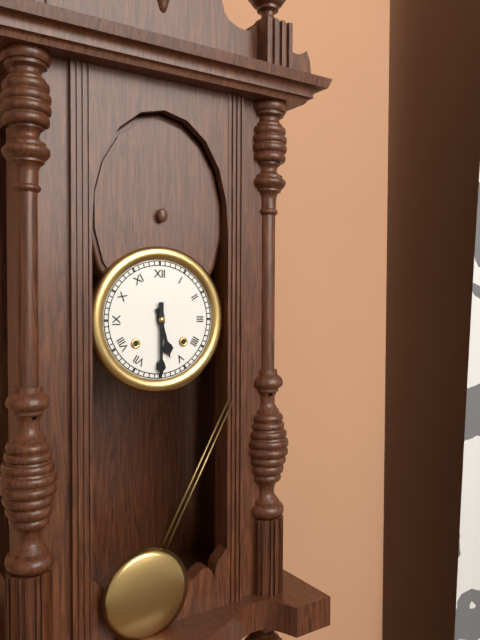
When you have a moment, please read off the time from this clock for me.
5:30
